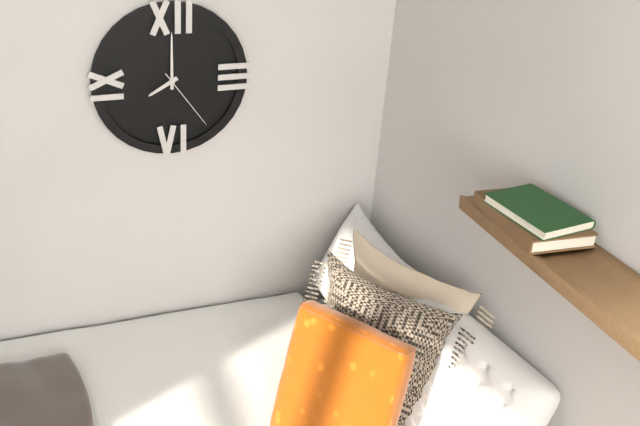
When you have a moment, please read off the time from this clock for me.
8:00:24
